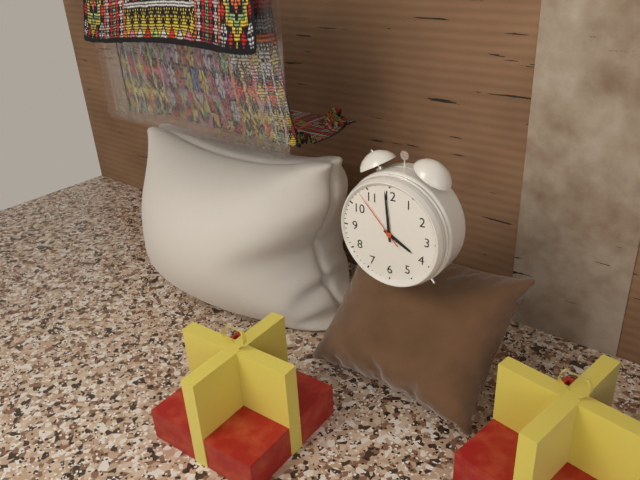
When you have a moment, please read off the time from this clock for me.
3:59:53
